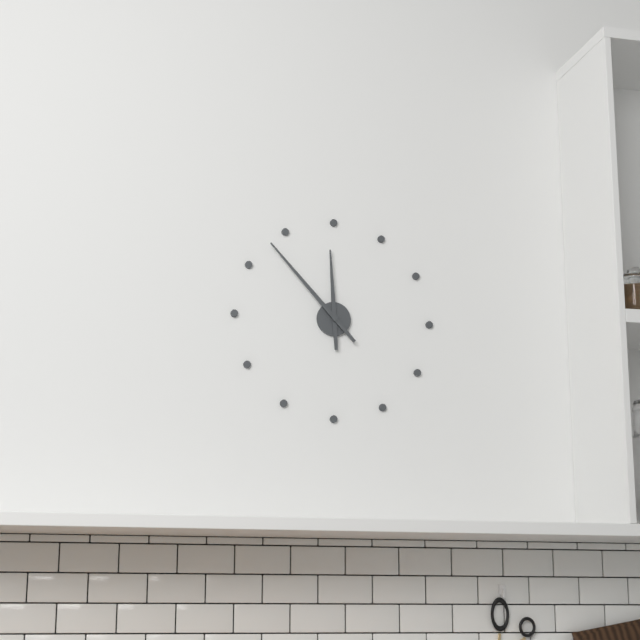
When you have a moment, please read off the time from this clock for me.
11:53
